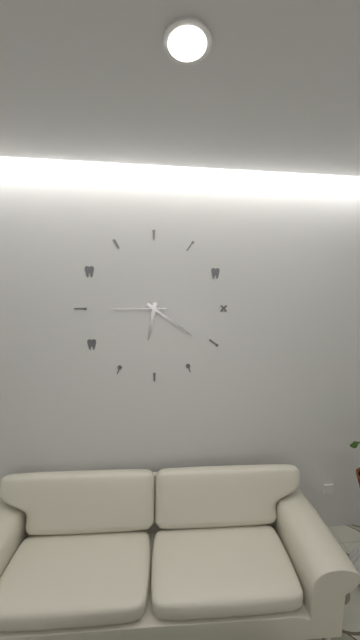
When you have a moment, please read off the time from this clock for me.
6:21:45
